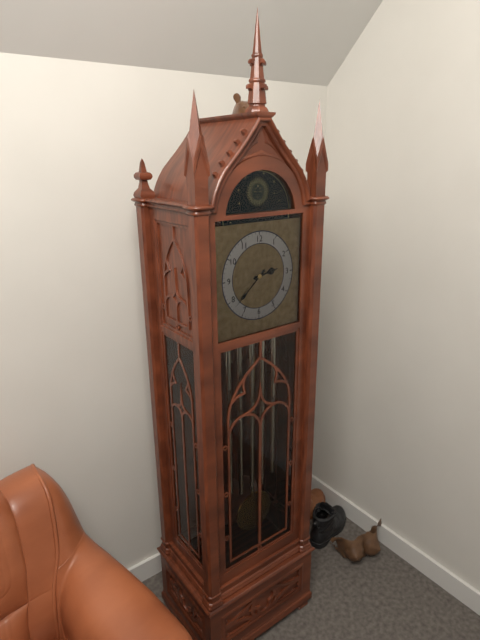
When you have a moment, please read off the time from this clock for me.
2:38
